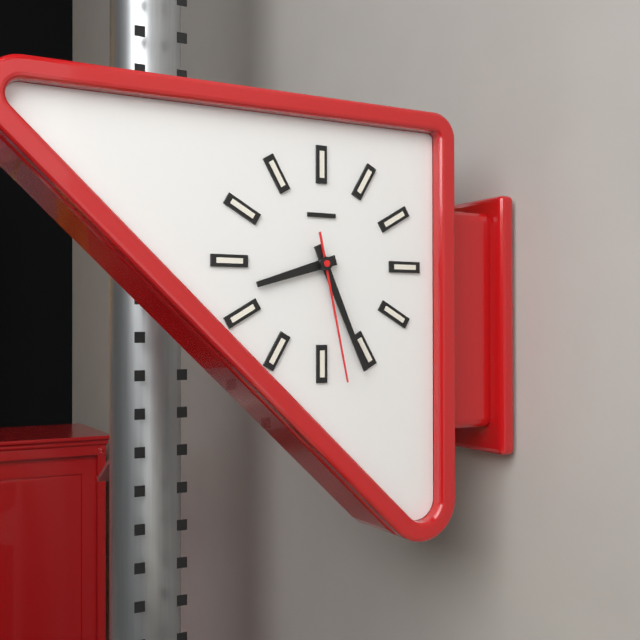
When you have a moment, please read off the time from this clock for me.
8:26:28
